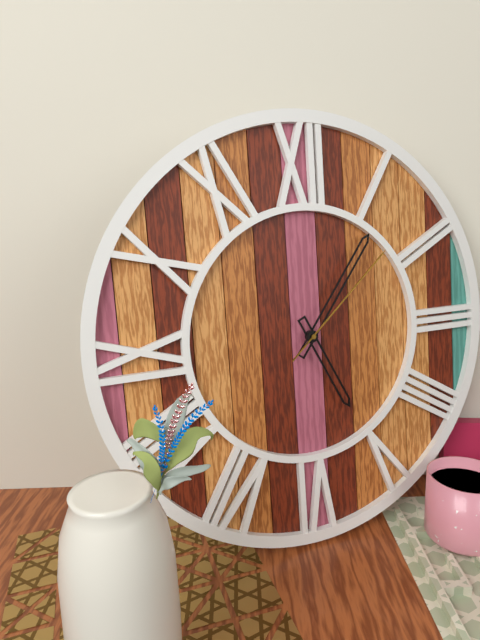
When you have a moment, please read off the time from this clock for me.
5:06:08
